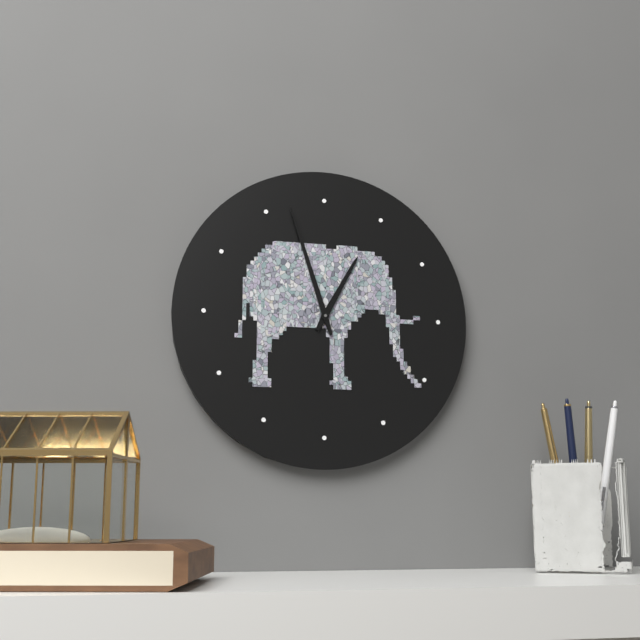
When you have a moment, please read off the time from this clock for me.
12:57
